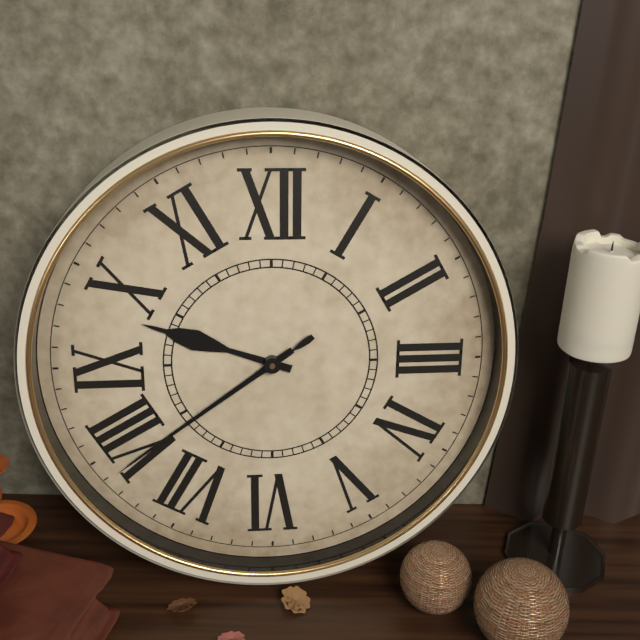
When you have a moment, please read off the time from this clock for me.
9:39:39
